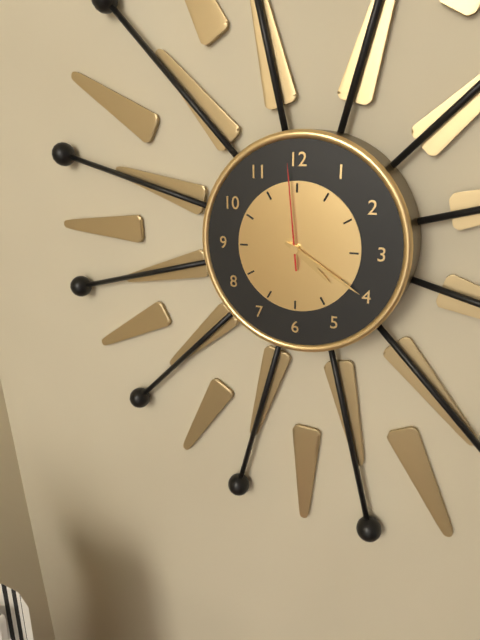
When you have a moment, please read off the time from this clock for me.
4:20:59
